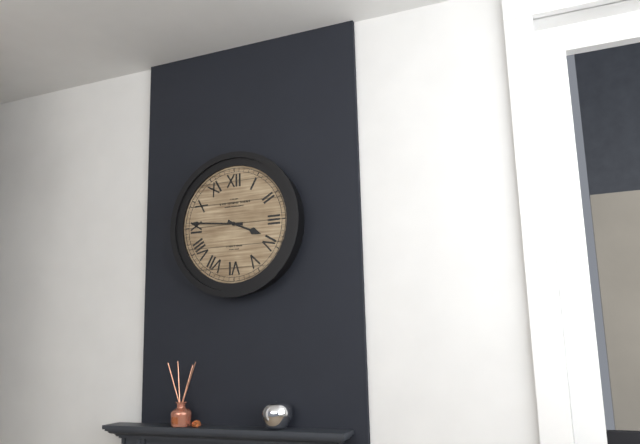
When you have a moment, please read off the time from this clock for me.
3:46
